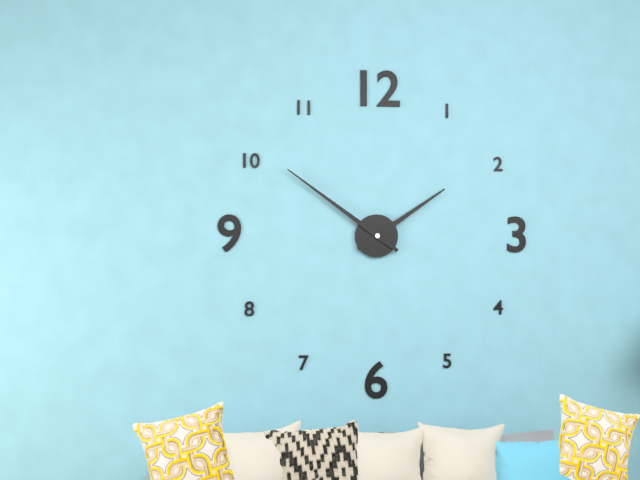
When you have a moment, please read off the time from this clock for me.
1:51
